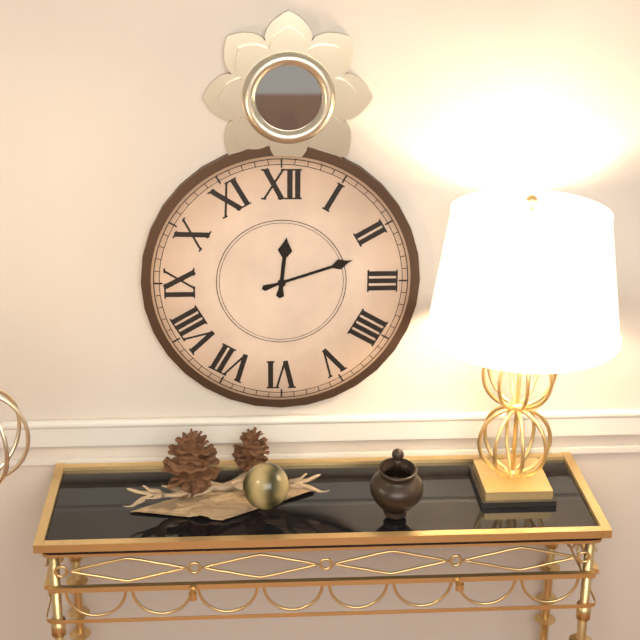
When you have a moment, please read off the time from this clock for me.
12:12
